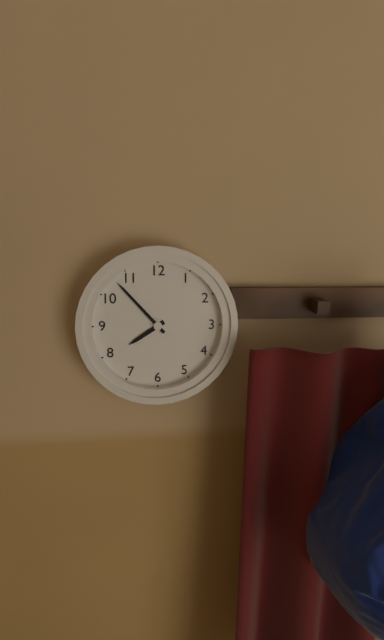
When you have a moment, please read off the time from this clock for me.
7:53
